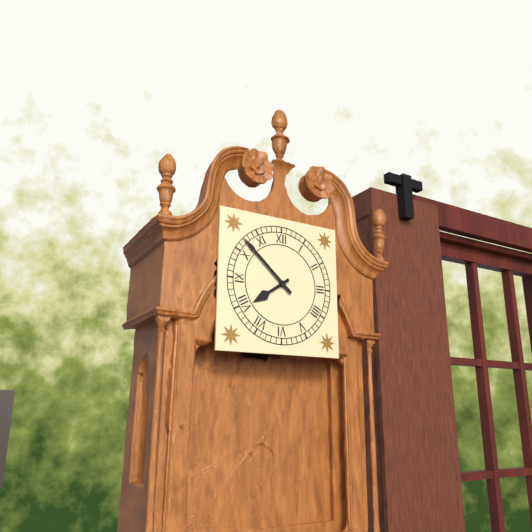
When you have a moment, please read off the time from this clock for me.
7:52
